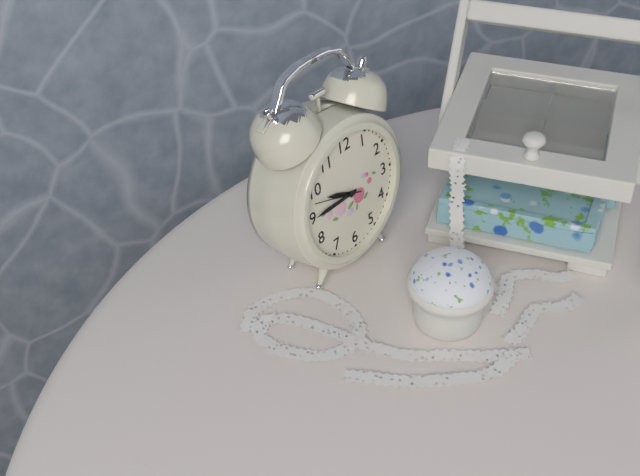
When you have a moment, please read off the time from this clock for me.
9:45
